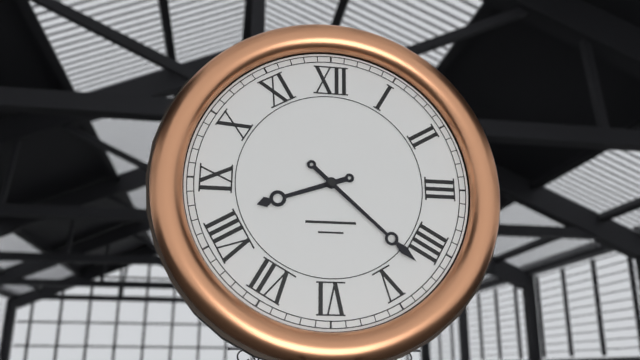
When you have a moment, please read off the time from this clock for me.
8:22
